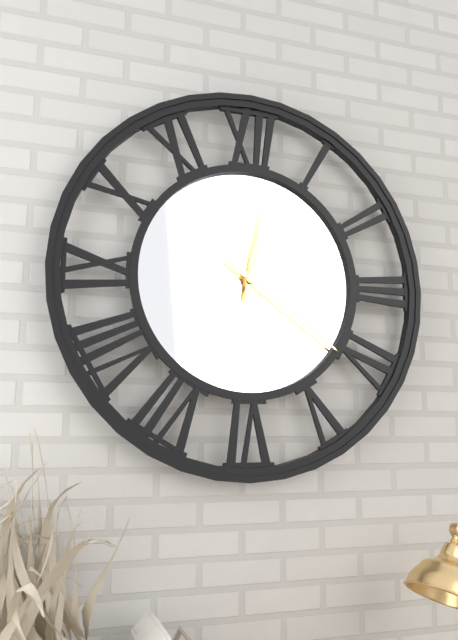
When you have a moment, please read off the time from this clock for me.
12:21
